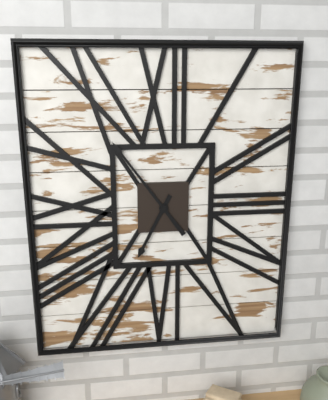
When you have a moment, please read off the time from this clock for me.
6:54
